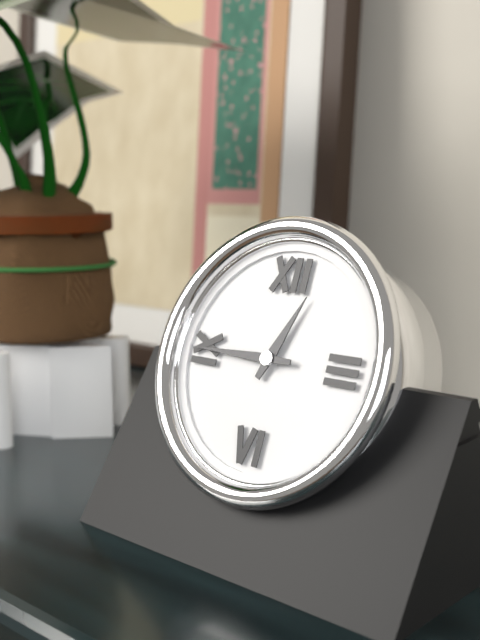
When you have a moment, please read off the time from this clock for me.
12:45
